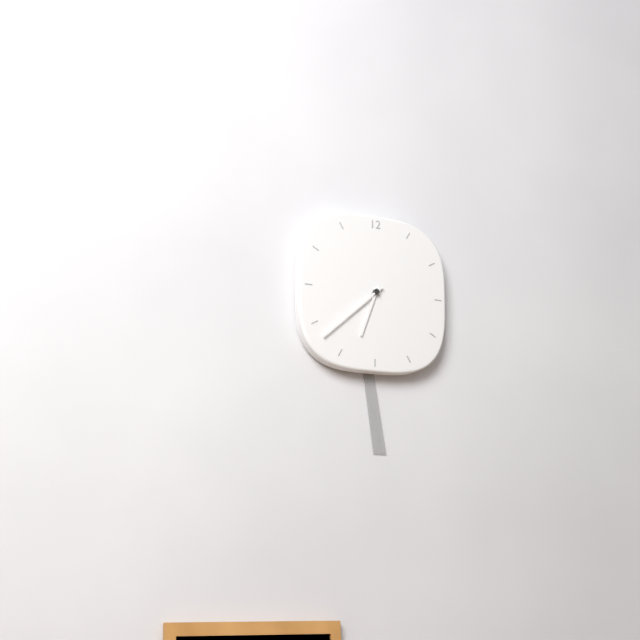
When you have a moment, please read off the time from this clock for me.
6:38
